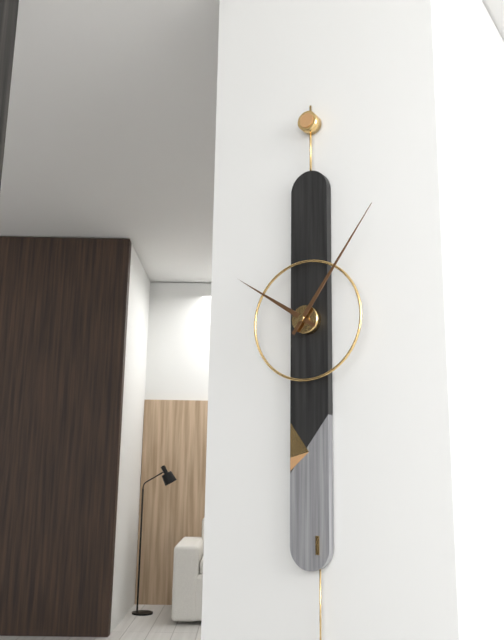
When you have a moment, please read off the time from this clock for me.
10:06
